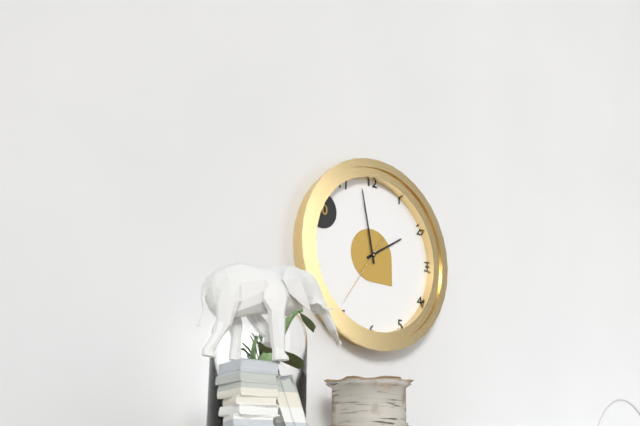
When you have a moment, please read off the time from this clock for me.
1:58:36
